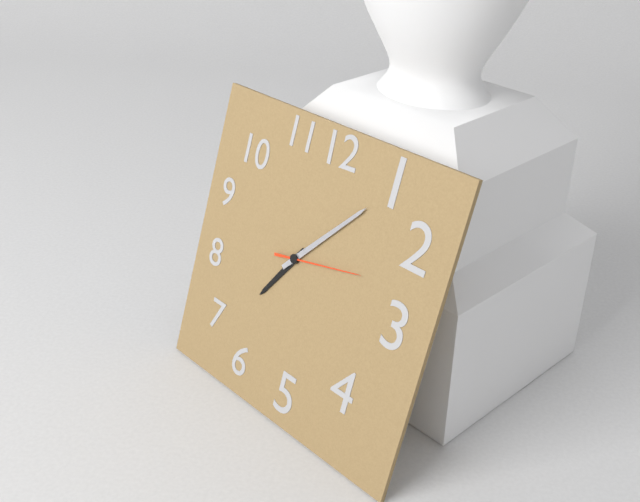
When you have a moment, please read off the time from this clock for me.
7:07:13
